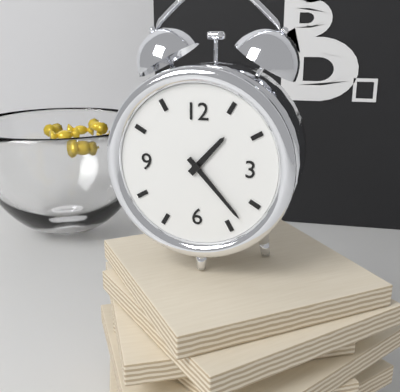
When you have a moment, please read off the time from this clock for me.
1:23
